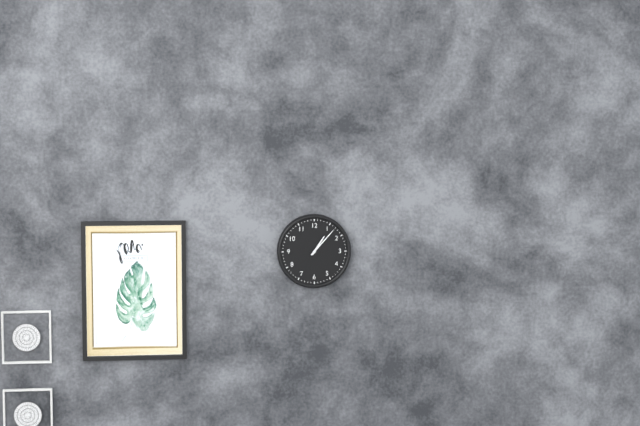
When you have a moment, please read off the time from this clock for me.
1:07
